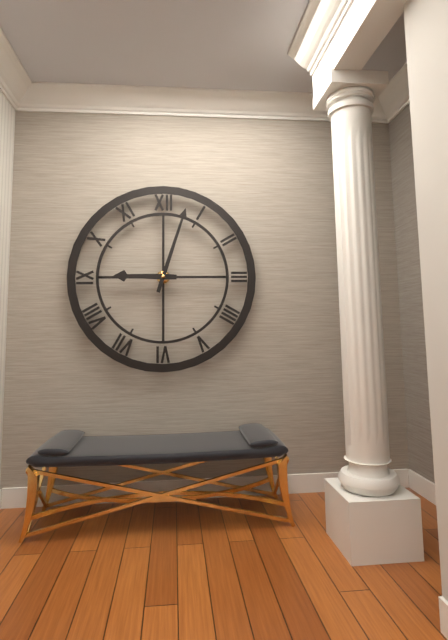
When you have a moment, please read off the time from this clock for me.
9:03
